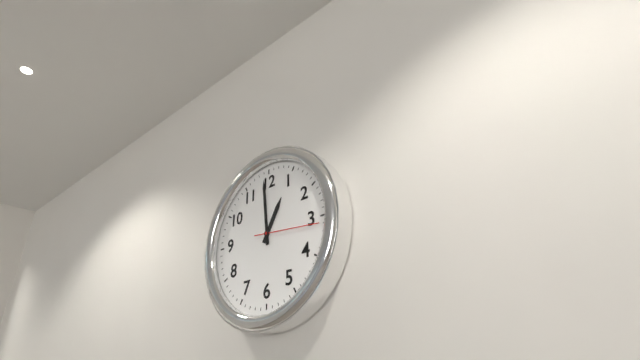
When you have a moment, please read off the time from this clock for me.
12:59:16
